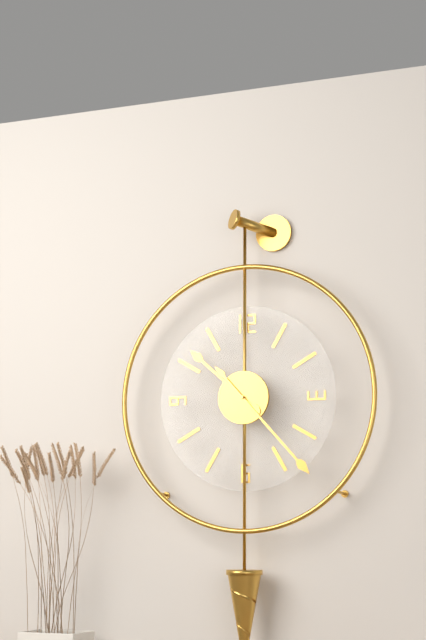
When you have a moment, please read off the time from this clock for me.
10:23
